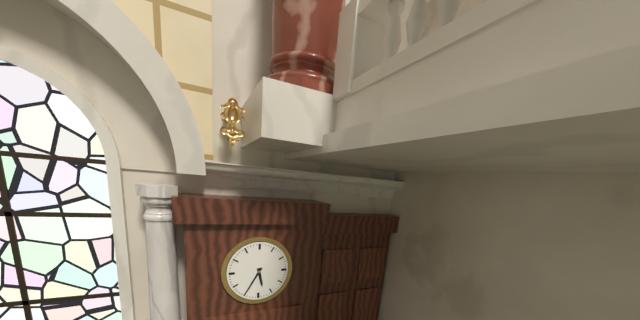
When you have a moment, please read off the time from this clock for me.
5:35
